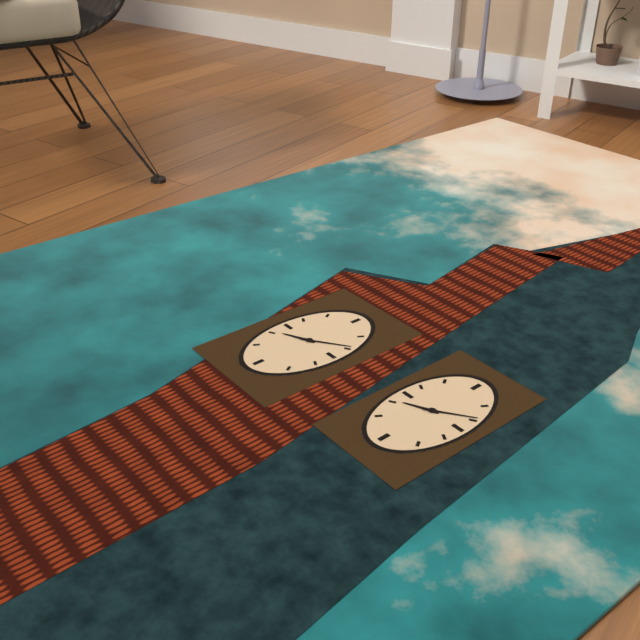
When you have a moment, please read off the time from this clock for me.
8:09
